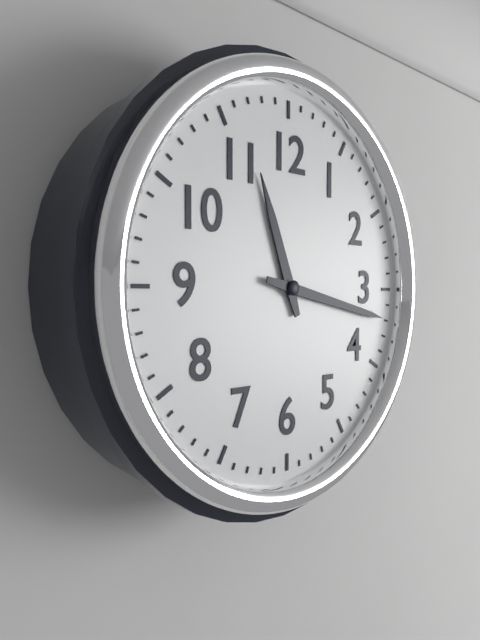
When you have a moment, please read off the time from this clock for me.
11:17
